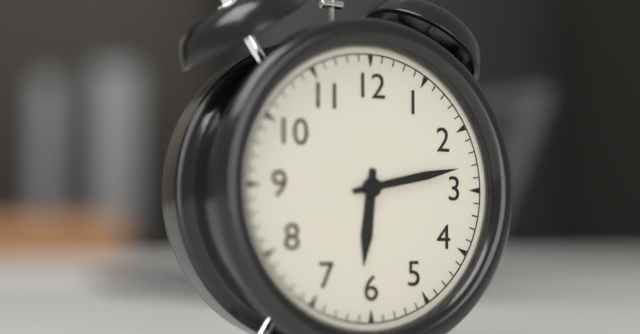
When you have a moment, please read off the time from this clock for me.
6:13
